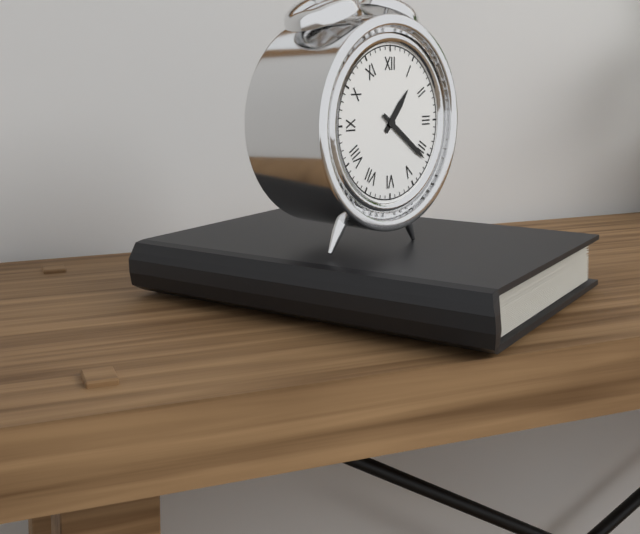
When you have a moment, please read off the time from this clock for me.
1:21
